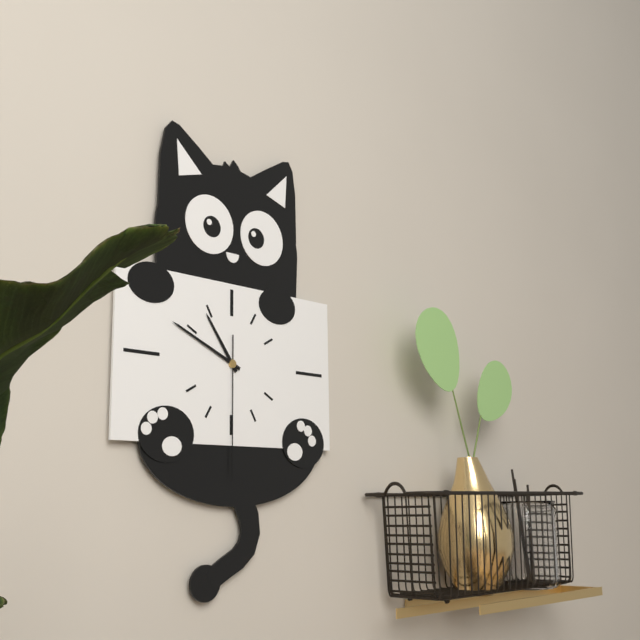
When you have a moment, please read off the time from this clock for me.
10:49:30
